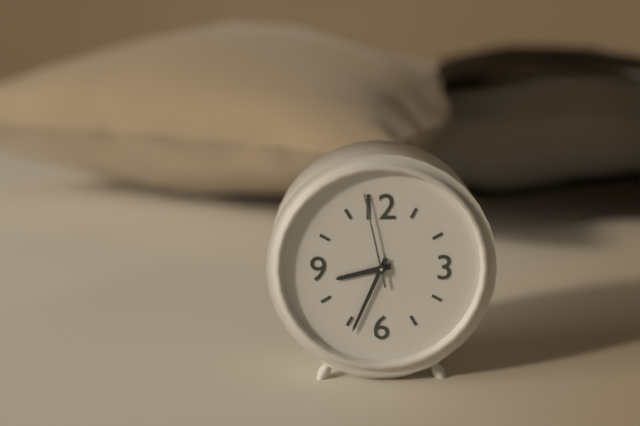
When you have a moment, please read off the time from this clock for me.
8:34:58
